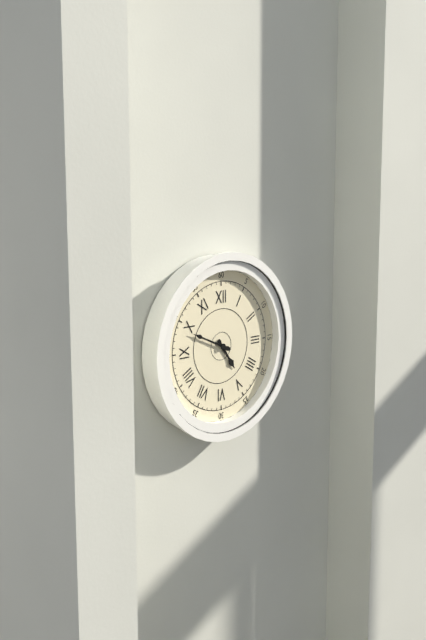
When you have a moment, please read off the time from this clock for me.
4:49
